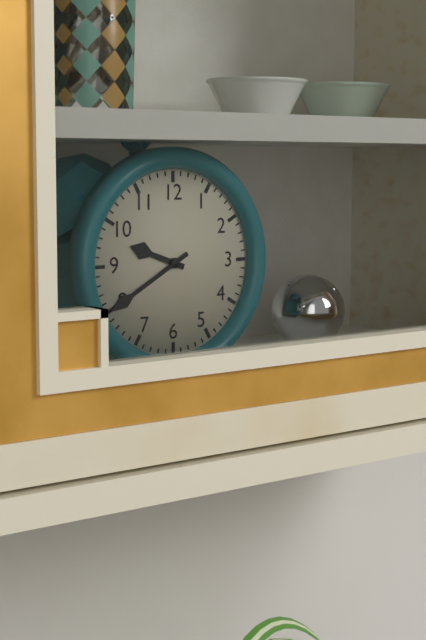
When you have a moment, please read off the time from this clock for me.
9:40
